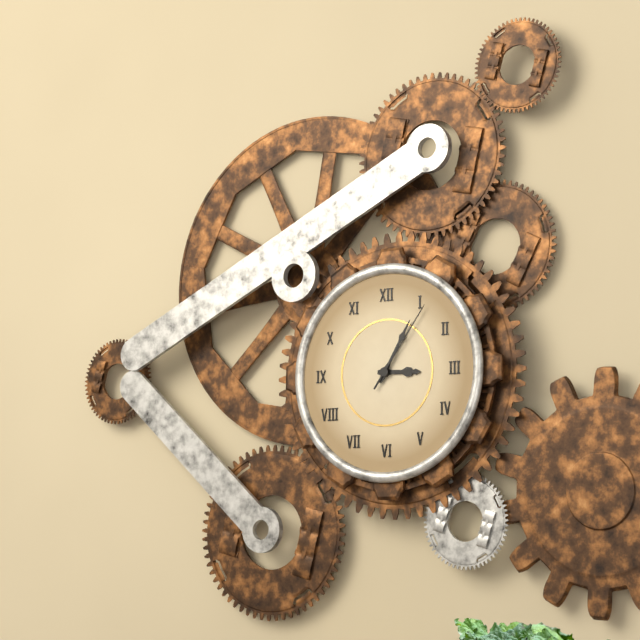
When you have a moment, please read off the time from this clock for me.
3:05:06
